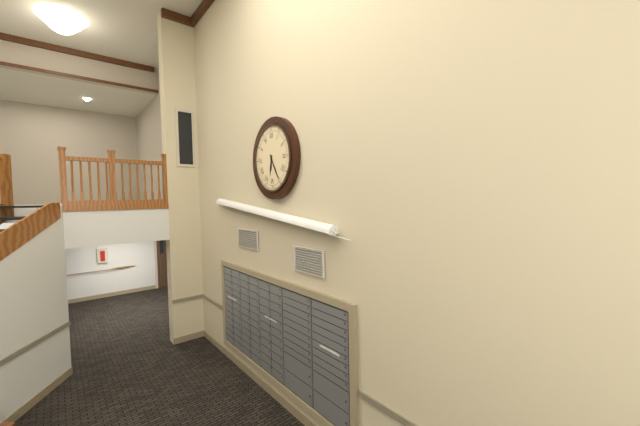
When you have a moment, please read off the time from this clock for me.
6:25
